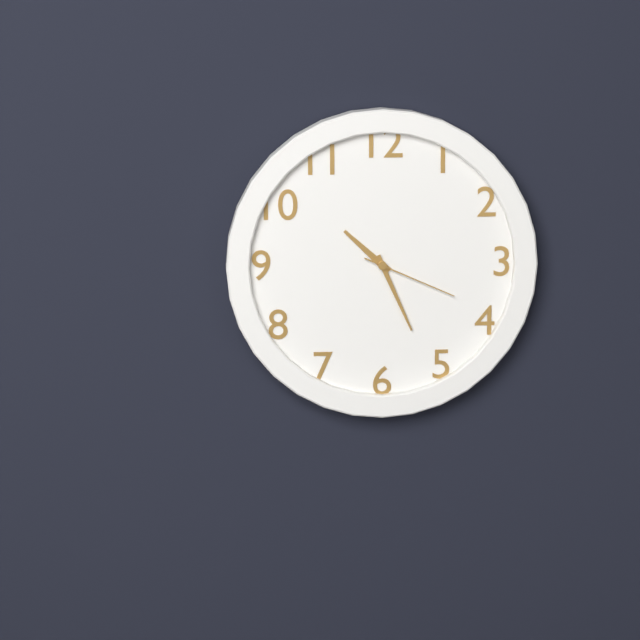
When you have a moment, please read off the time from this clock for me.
10:26:19
